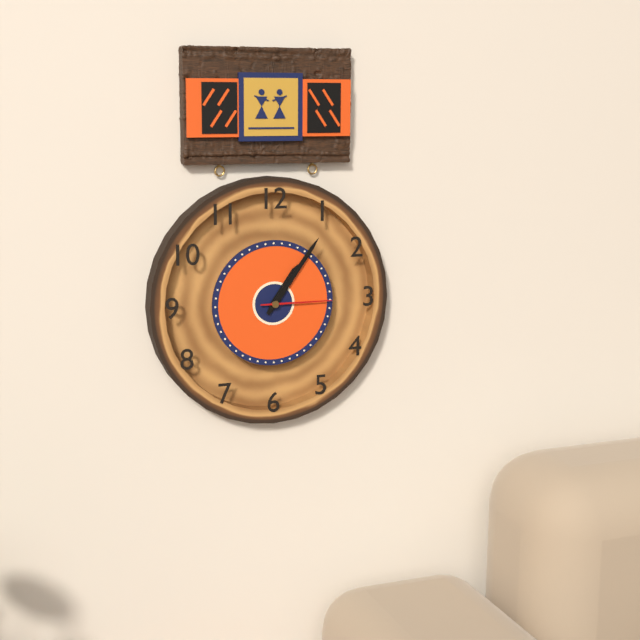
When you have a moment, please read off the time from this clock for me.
1:06:15
